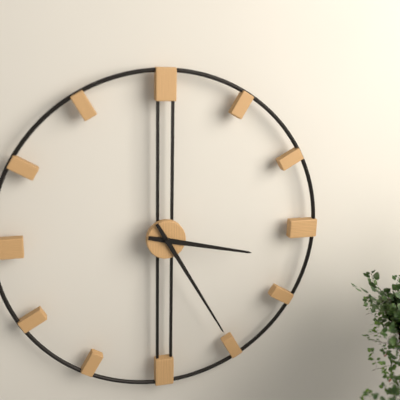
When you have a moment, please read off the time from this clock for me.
3:25
